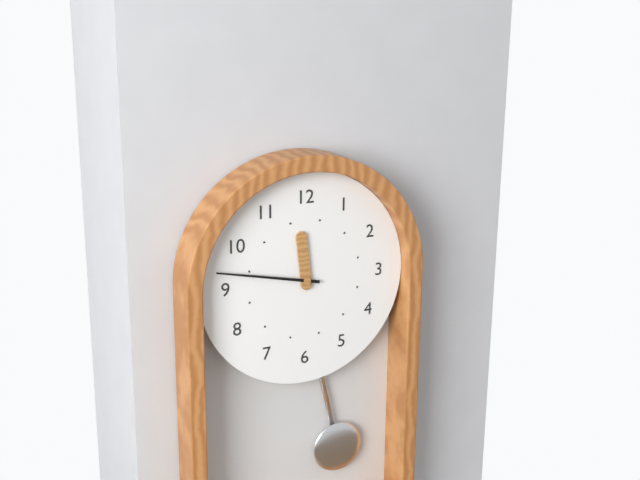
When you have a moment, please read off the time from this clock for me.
11:47
